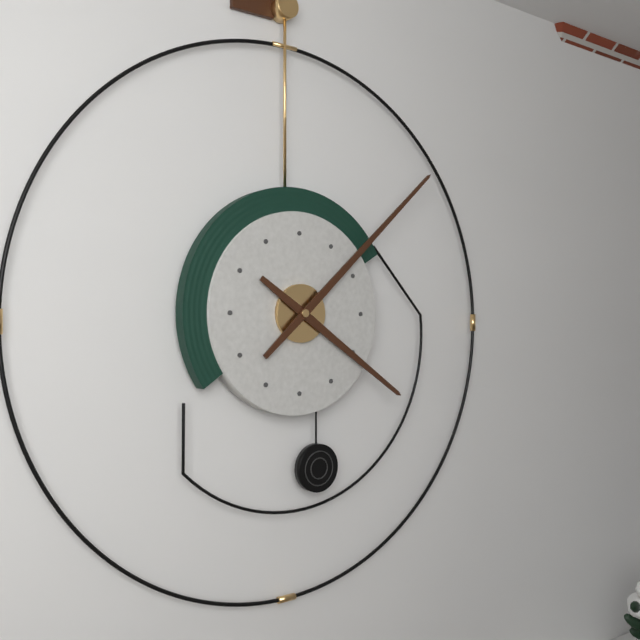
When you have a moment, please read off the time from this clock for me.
4:08
